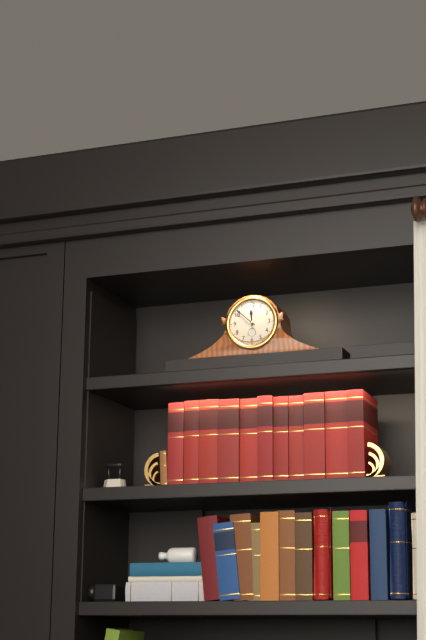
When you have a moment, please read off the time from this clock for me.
11:52
